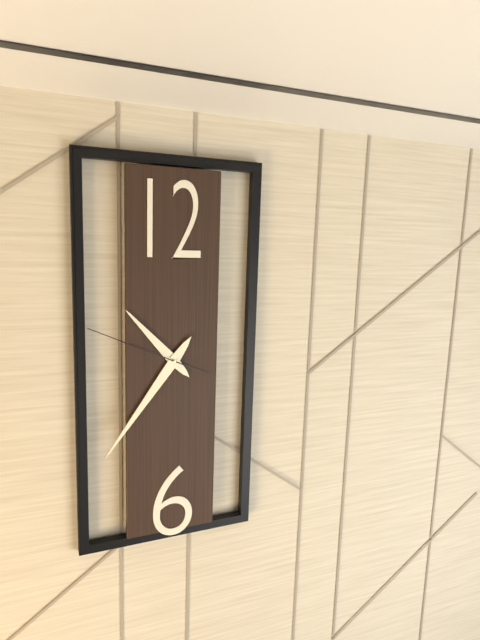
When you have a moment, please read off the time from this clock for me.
10:36:49
